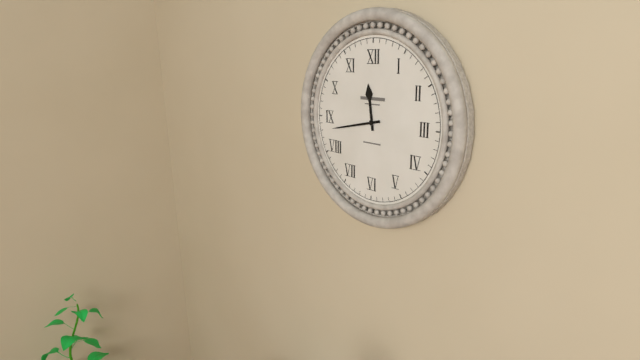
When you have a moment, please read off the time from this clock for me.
11:43
